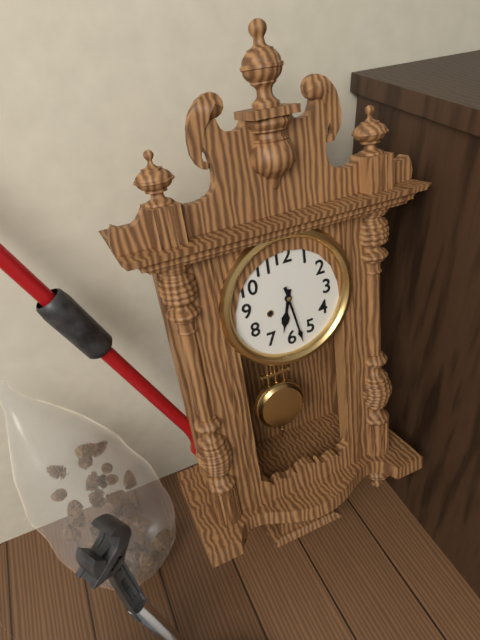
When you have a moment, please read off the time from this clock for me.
6:28
